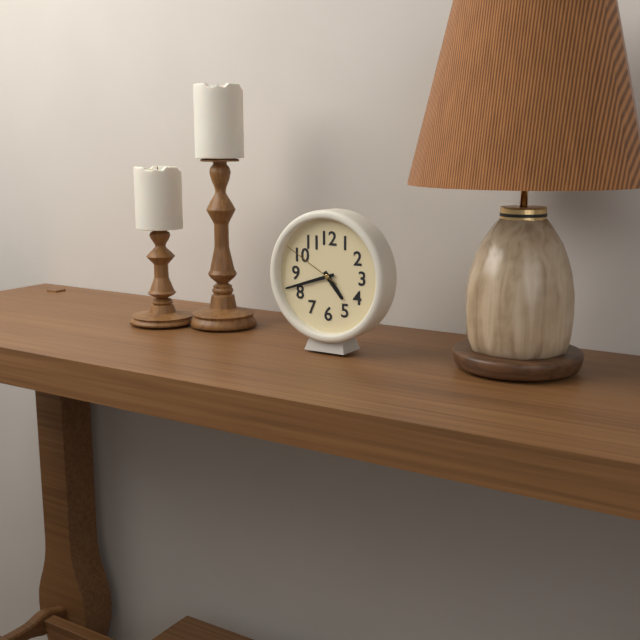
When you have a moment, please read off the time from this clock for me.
4:42:50
